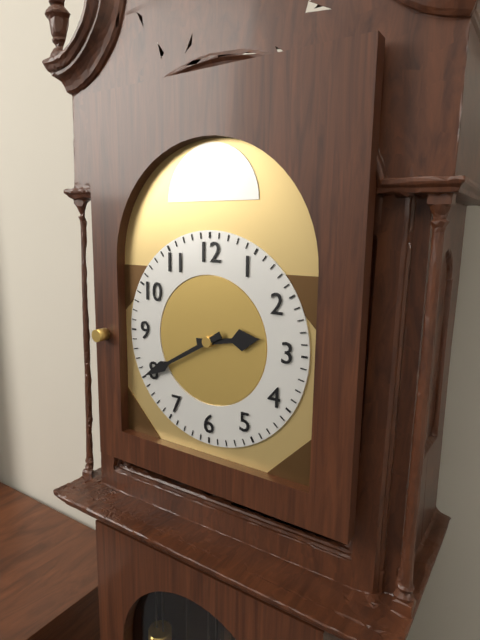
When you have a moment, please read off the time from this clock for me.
2:40
